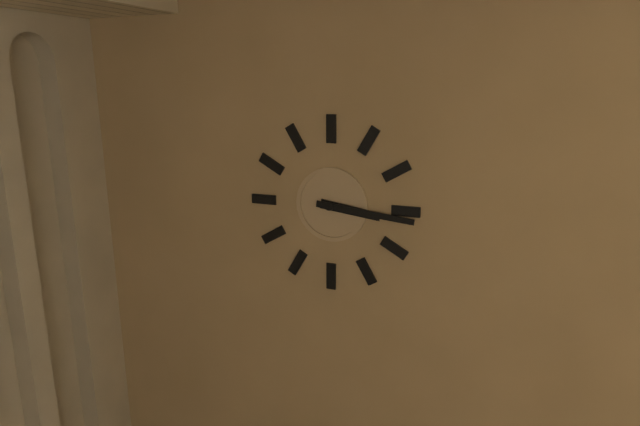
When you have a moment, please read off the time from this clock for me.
3:16
